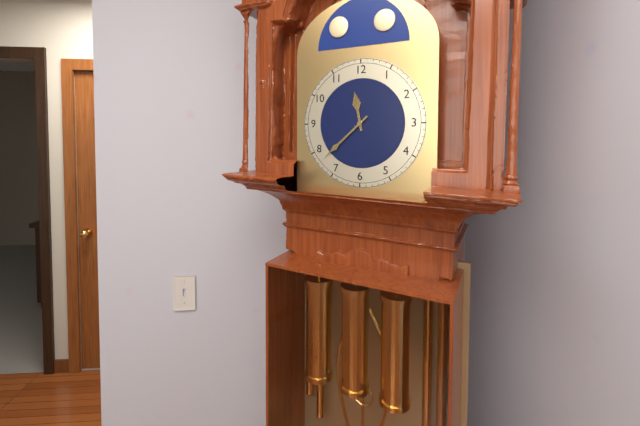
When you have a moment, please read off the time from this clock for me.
11:38
